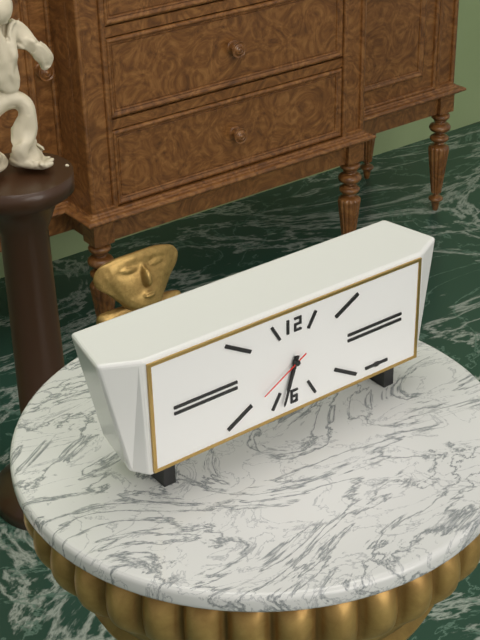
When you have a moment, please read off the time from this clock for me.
6:33:40
